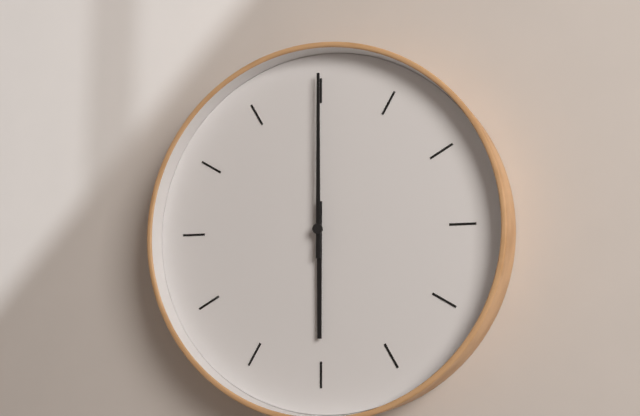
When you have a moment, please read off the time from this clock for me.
6:00
